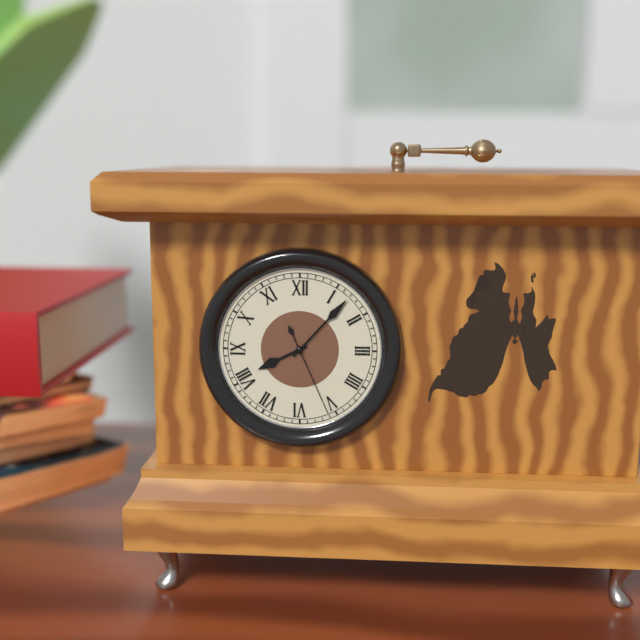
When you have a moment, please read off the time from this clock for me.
8:07:26
